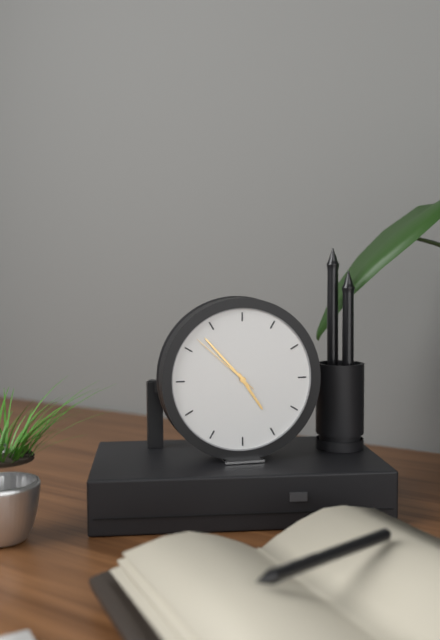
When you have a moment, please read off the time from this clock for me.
4:53:52
